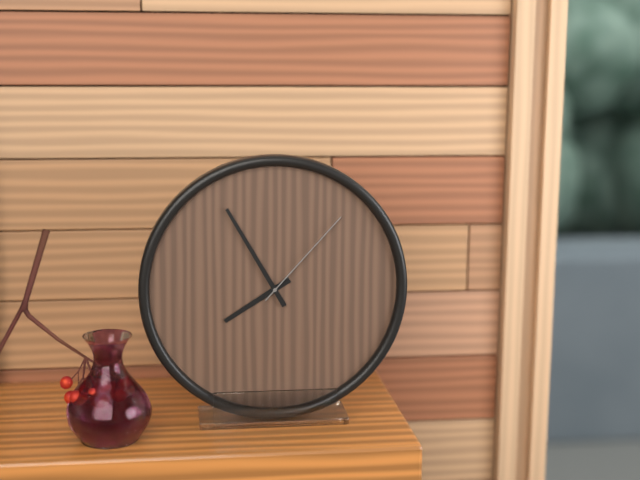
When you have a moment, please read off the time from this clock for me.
7:55:07
